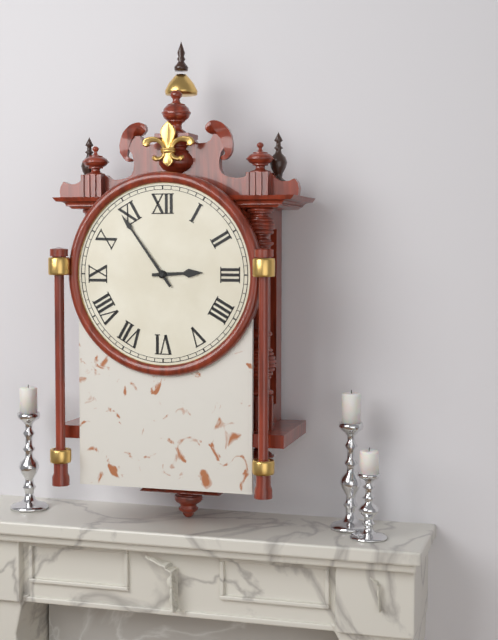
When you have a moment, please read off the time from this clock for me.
2:54
